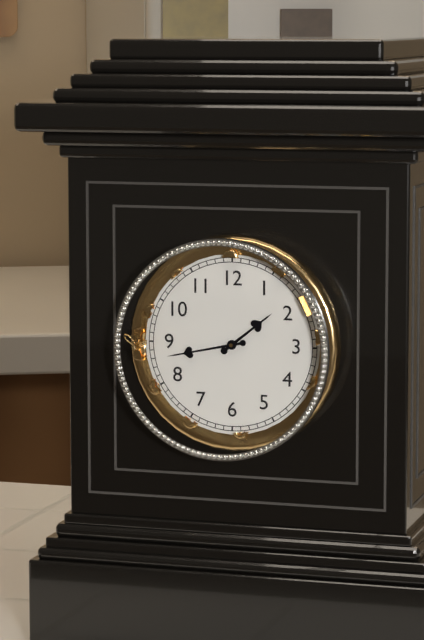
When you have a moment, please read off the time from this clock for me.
1:43
